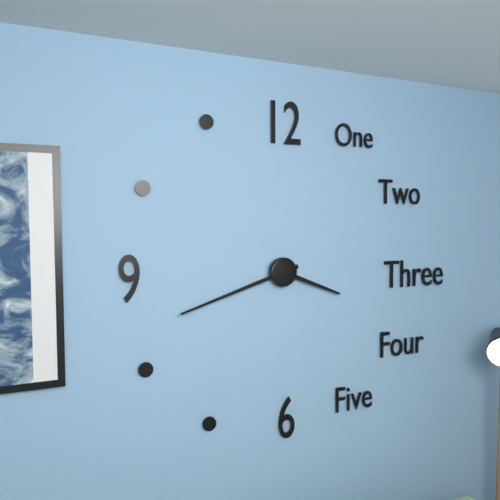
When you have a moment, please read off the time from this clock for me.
3:42
